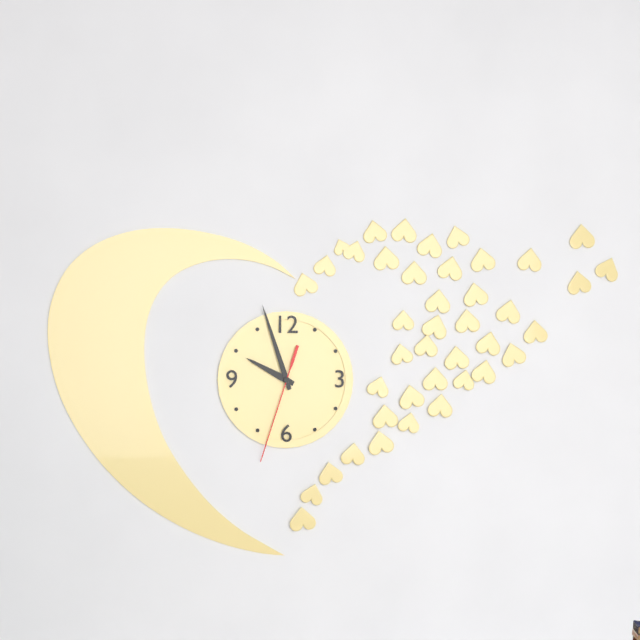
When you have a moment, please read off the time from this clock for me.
9:57:33
